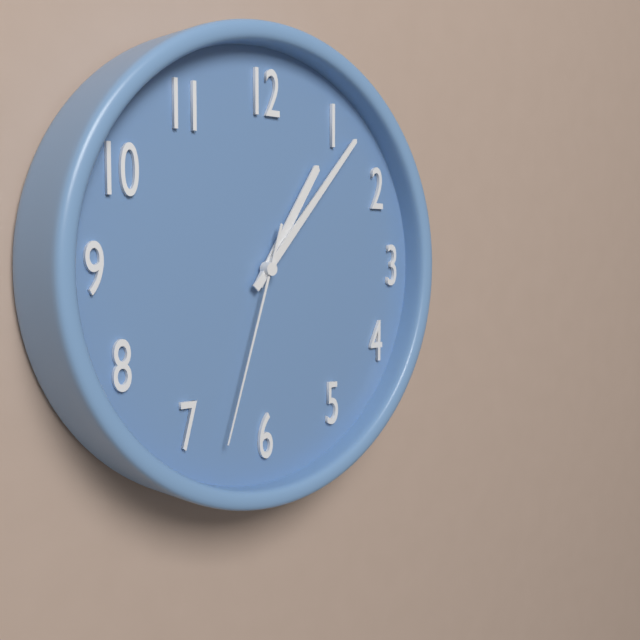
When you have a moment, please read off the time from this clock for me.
1:07:33
